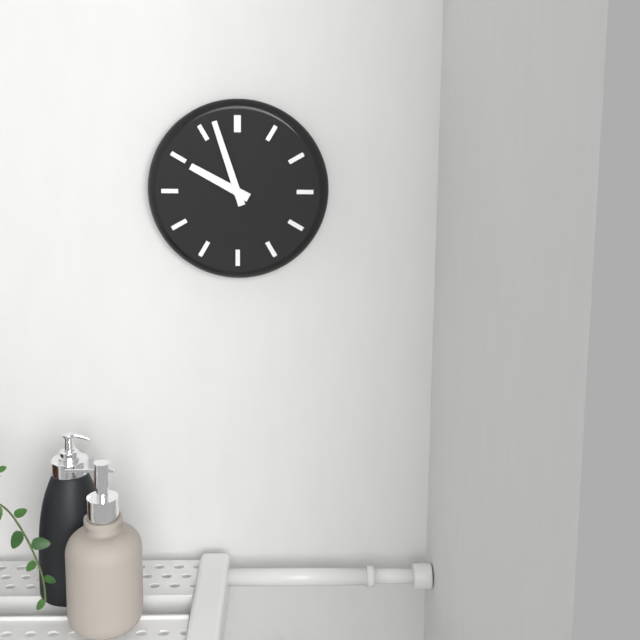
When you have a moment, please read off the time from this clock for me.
9:57
